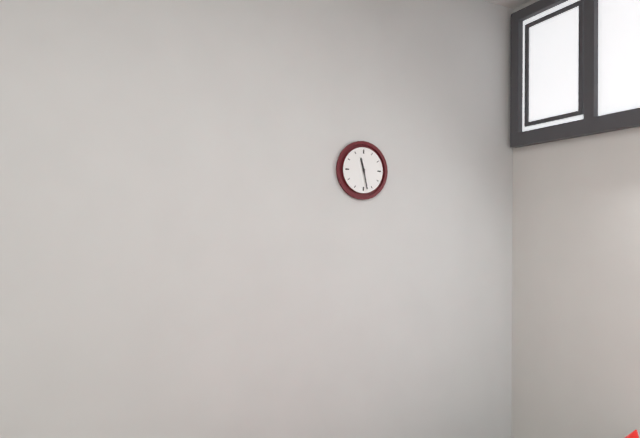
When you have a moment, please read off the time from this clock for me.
11:28
